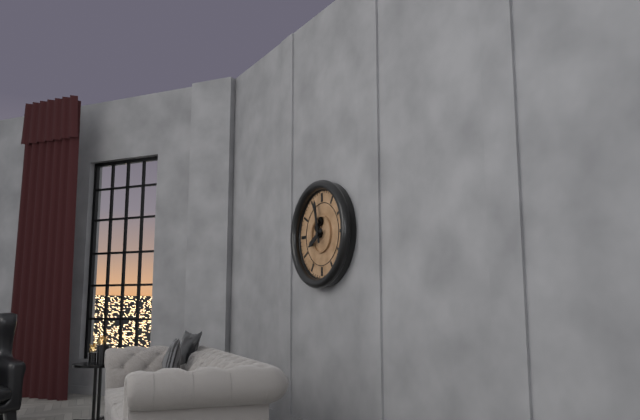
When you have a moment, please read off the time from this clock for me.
7:58
